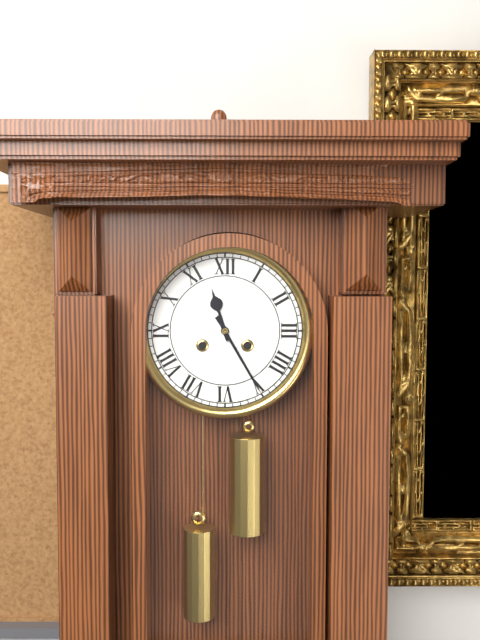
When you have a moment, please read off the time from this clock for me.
11:25
